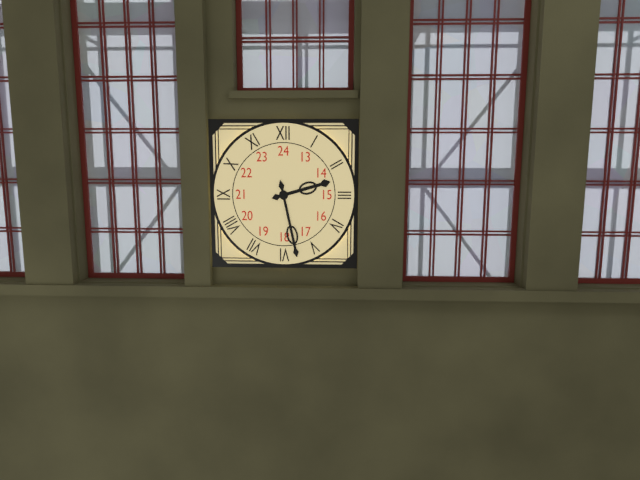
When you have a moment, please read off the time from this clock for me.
2:28
